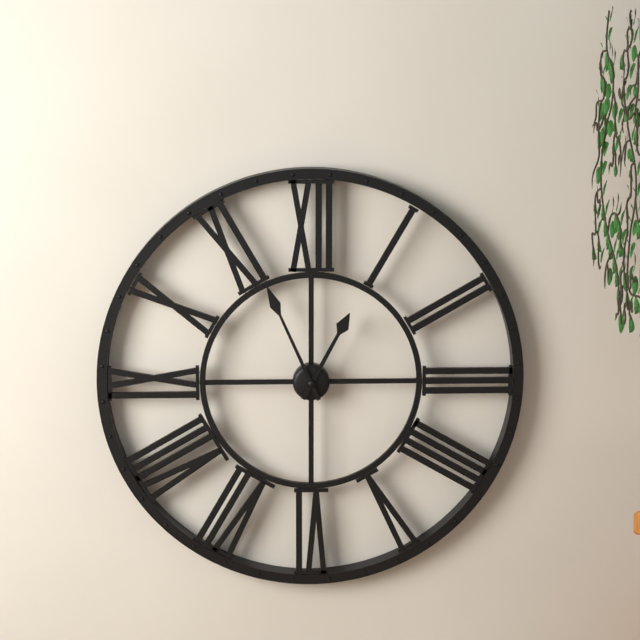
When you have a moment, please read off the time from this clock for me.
12:56
